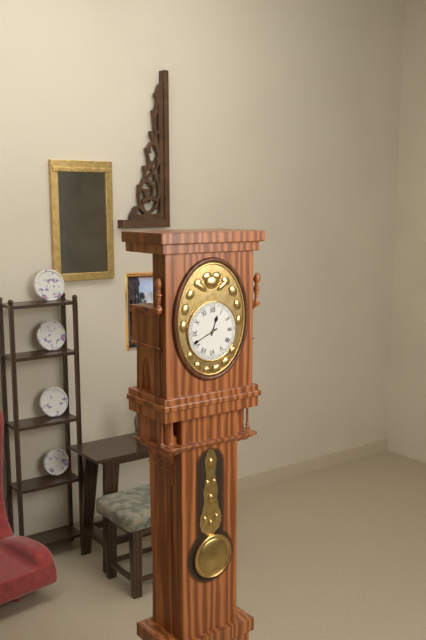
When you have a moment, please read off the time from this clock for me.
12:41
